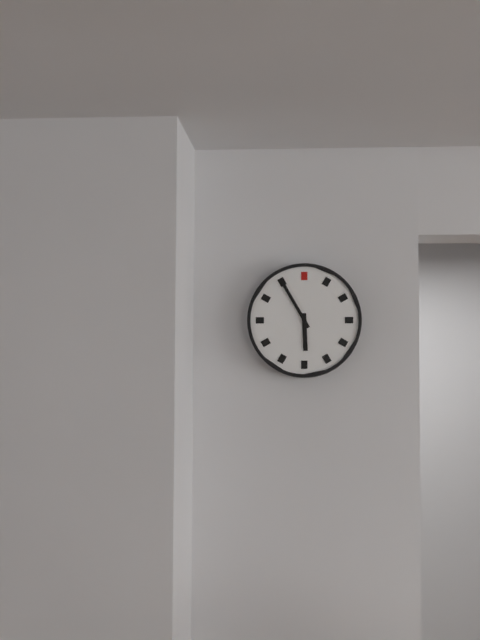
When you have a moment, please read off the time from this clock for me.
5:55
